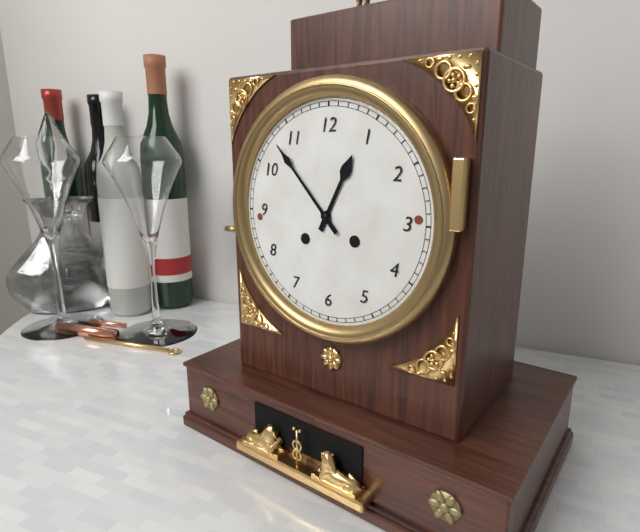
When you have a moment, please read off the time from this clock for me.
12:53
